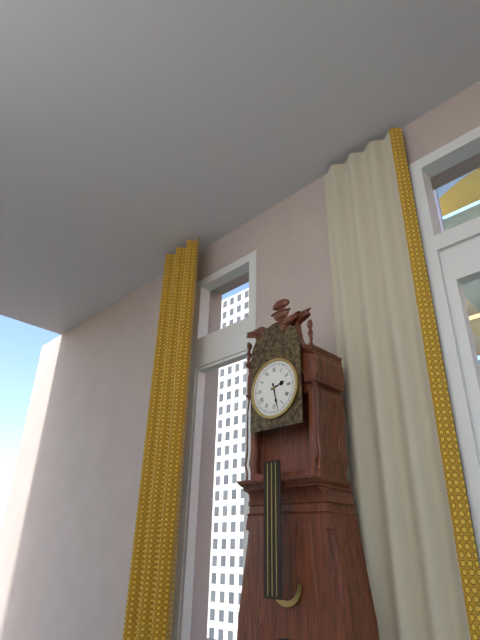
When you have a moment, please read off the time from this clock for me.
2:28
